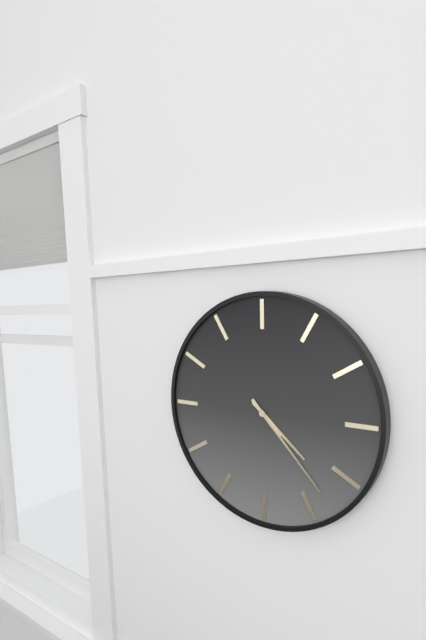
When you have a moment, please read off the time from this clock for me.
4:23
